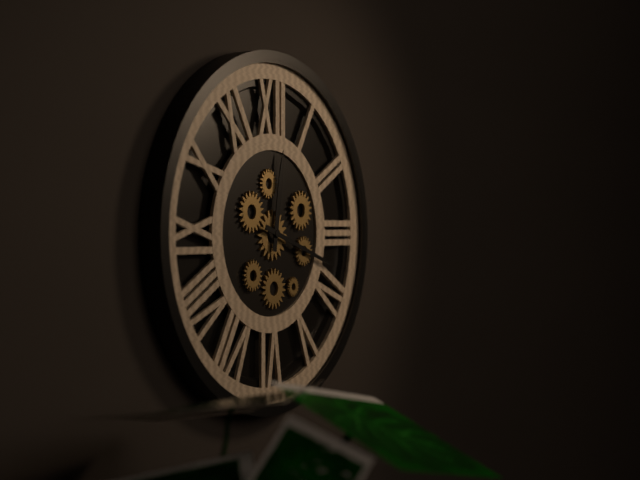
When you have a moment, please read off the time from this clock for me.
12:18
